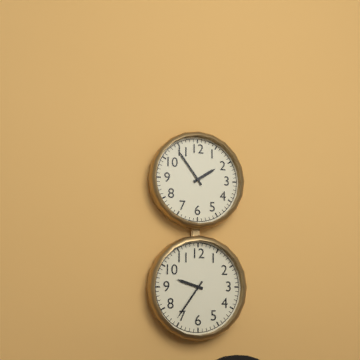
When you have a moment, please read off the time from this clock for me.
1:54
